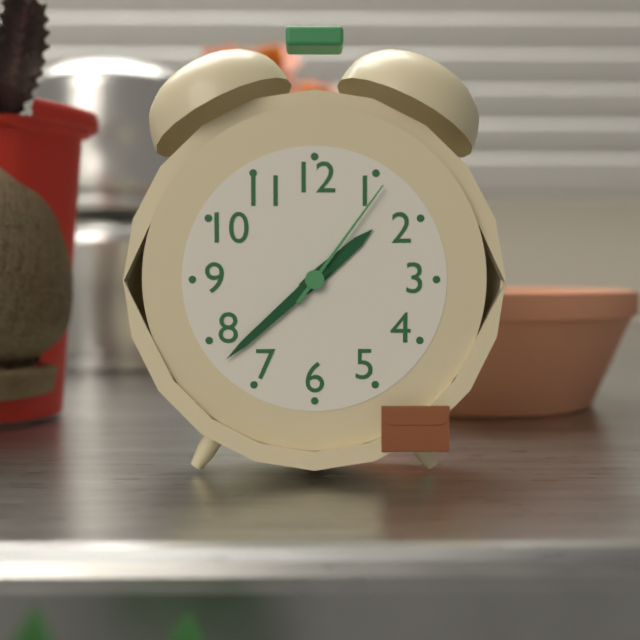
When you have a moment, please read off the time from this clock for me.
1:38:06
